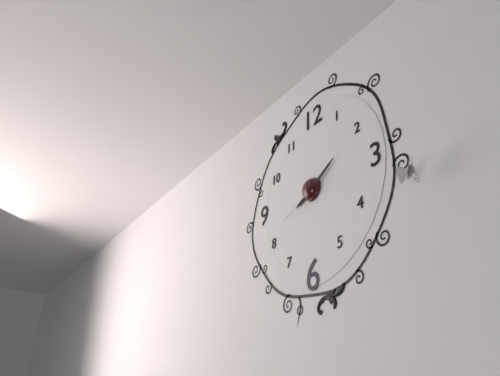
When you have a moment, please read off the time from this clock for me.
8:10:41
